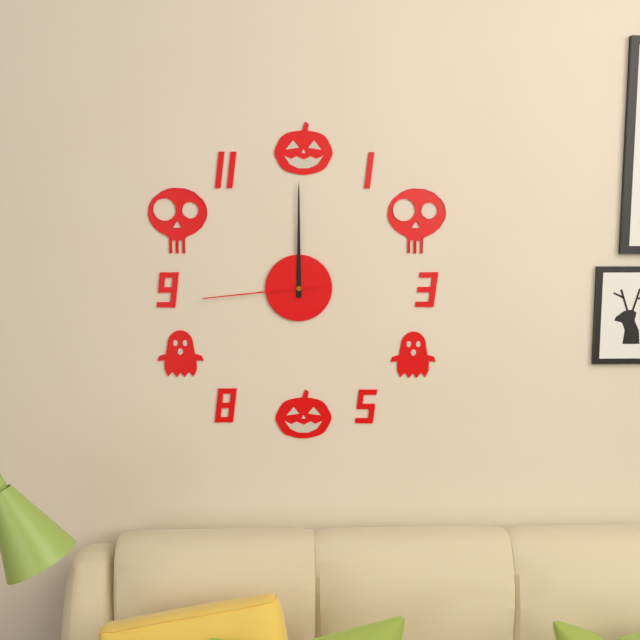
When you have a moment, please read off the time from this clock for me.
12:00:44
